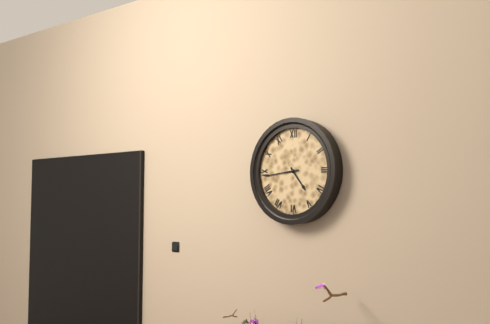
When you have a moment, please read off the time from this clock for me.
4:44
